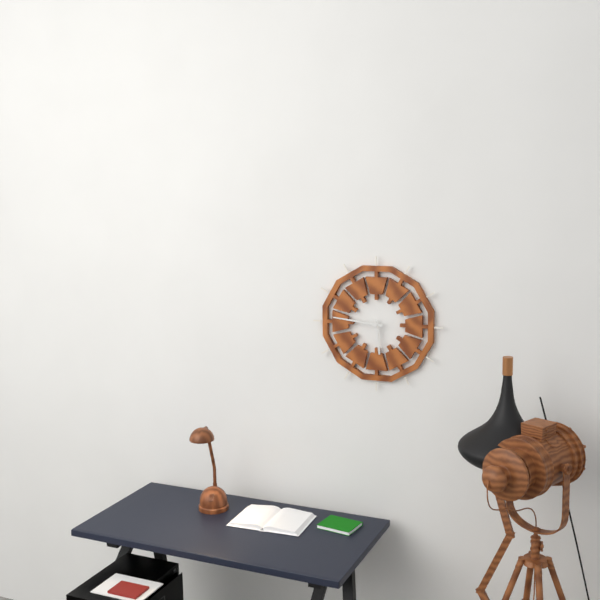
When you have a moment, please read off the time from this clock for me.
5:46
